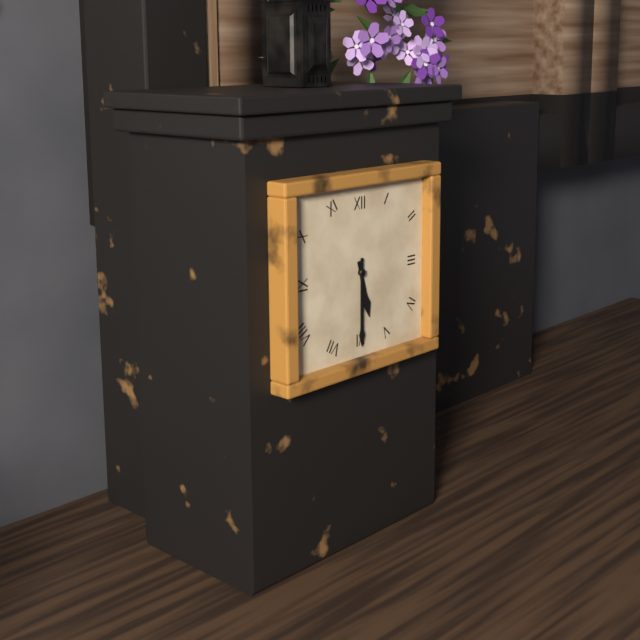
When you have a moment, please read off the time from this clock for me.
5:30
